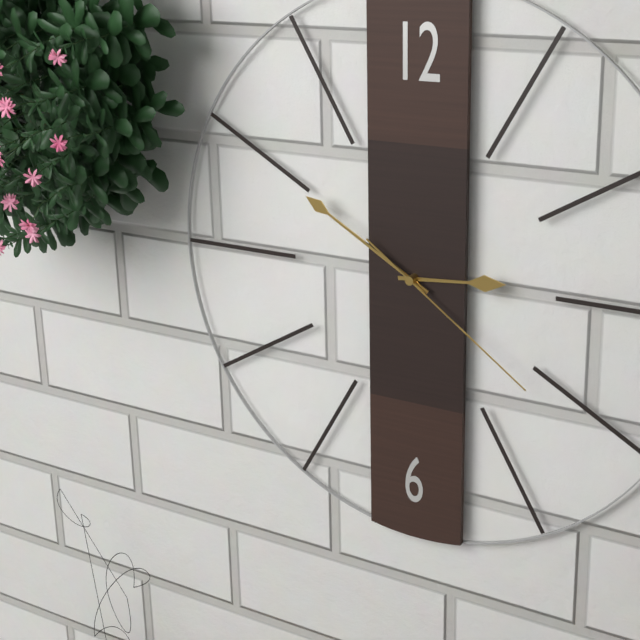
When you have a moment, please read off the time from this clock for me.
2:50:21
